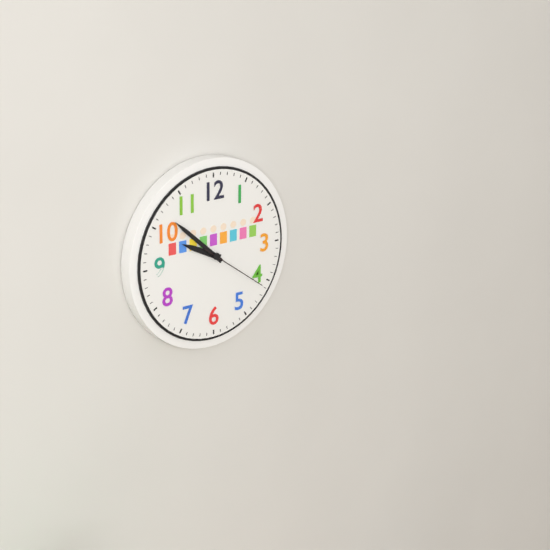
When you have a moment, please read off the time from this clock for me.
9:52:21
